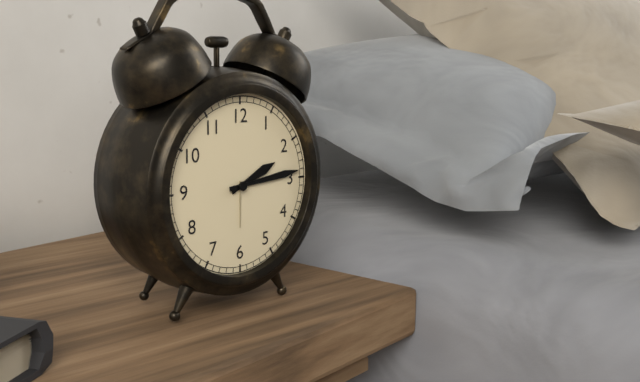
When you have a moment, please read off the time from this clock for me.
2:14
